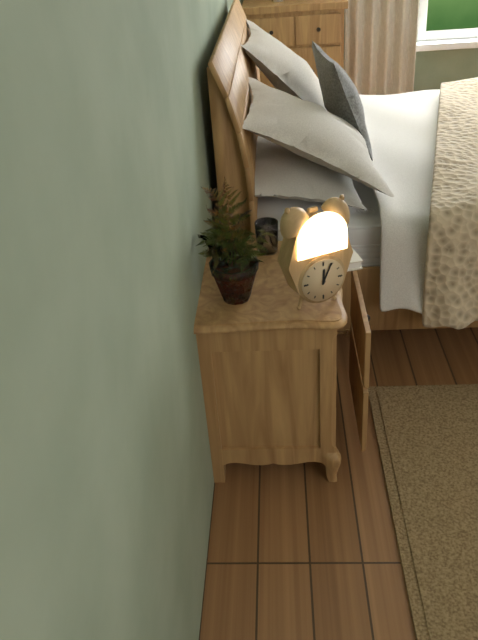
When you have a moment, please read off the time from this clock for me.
12:04
